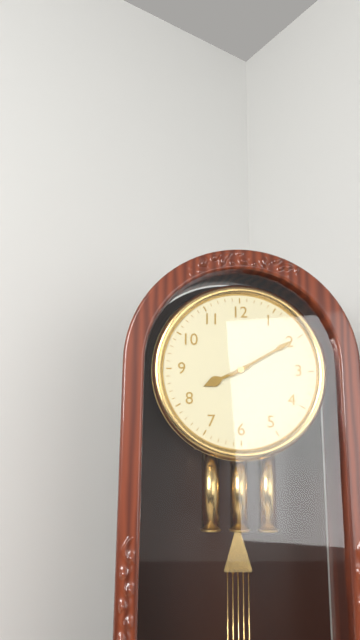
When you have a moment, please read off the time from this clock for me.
8:10
